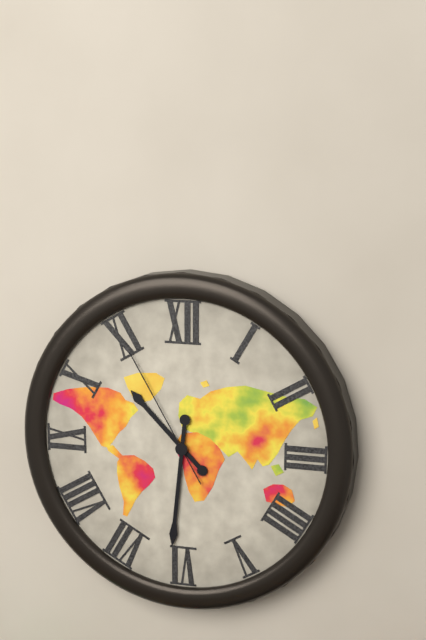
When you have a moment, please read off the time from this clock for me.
10:31:55
